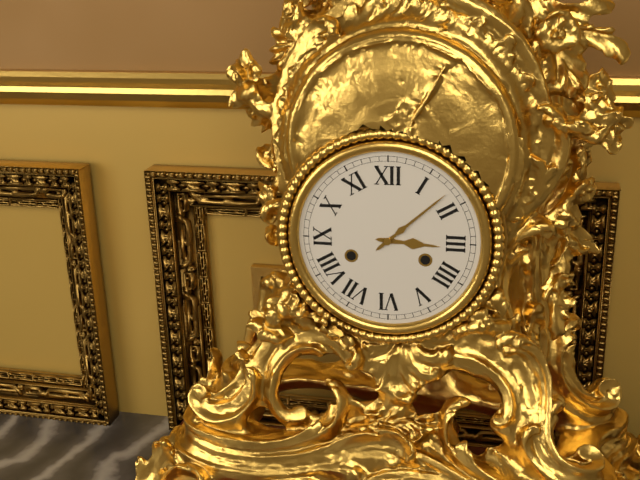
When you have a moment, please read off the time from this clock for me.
3:08
